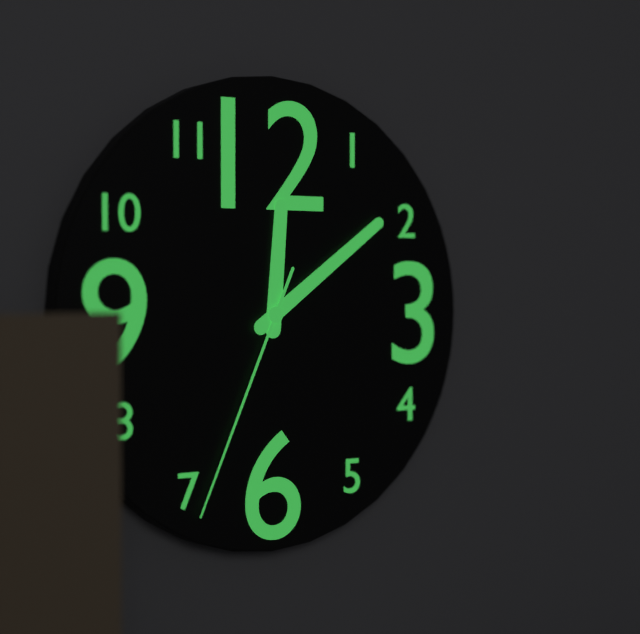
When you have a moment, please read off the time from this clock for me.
12:09:34
